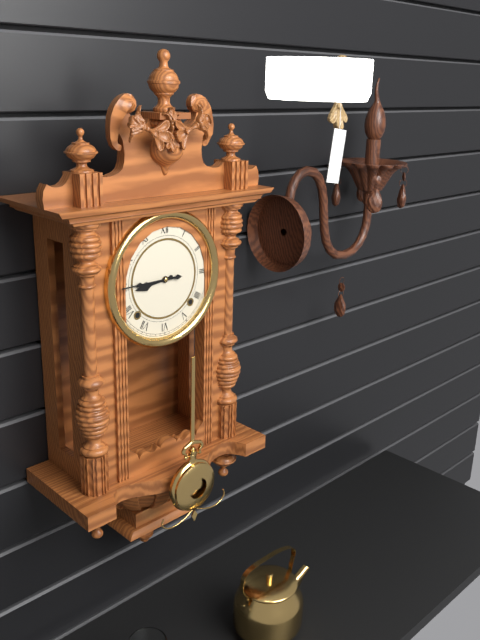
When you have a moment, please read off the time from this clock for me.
8:45
